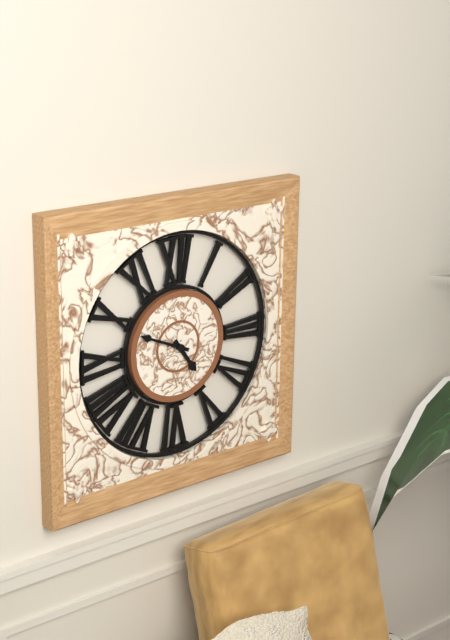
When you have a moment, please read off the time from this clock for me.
4:49
